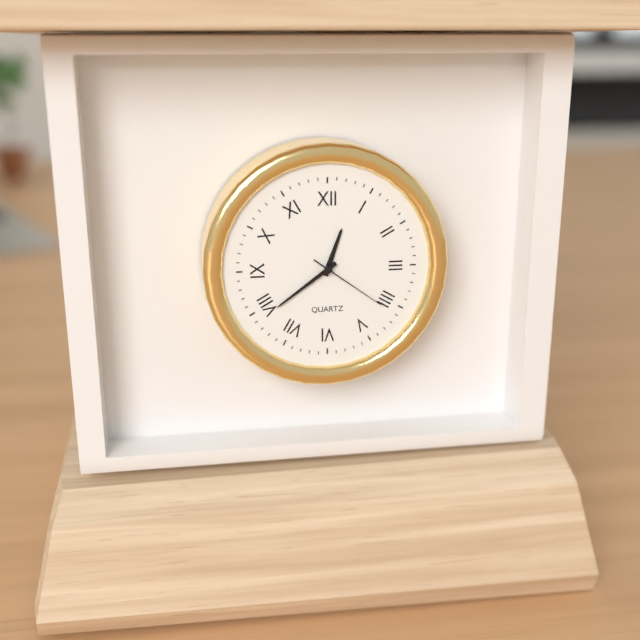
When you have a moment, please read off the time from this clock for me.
12:39:21
